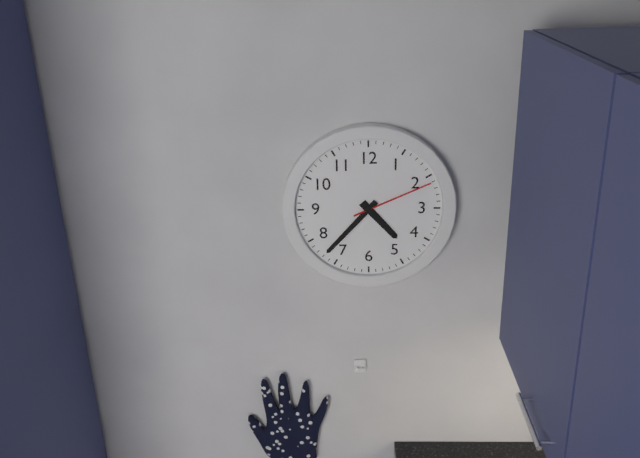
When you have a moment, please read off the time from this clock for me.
4:37:11
